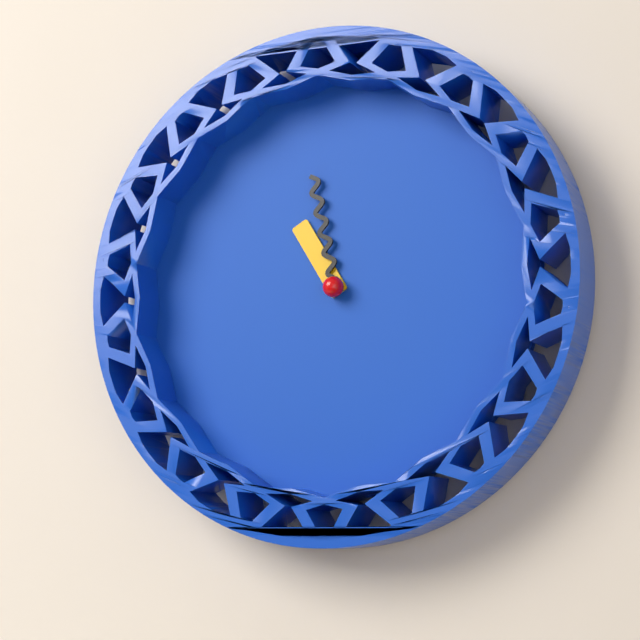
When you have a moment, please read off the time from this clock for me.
10:58
